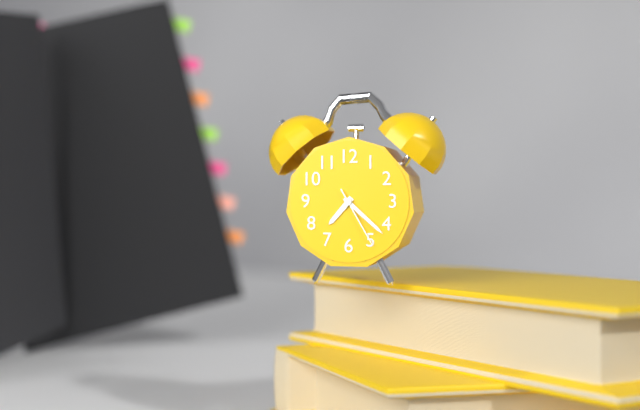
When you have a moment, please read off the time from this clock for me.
7:22:25
